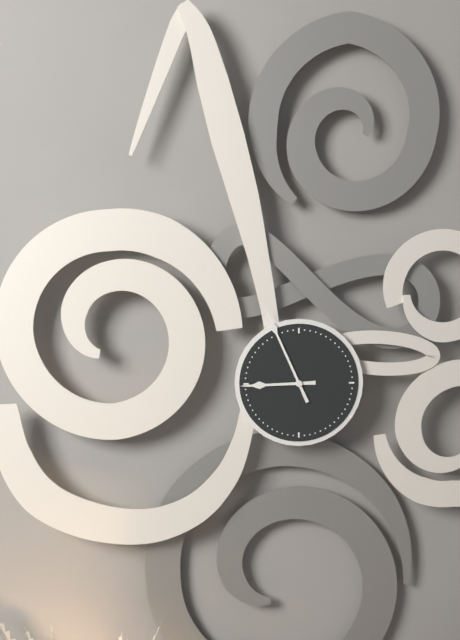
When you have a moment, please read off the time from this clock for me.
8:56
